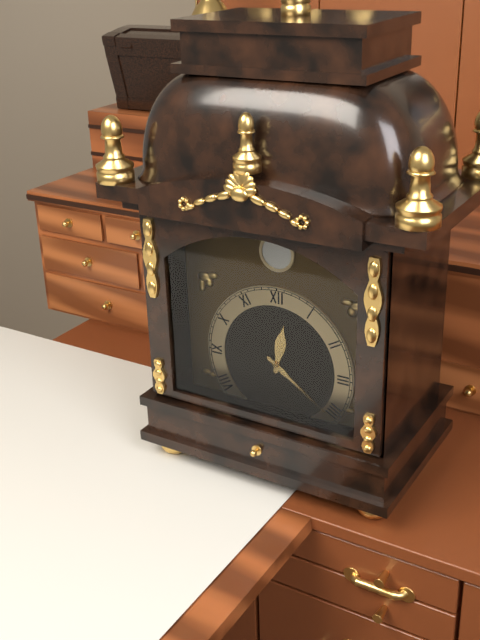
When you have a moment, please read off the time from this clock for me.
12:21
